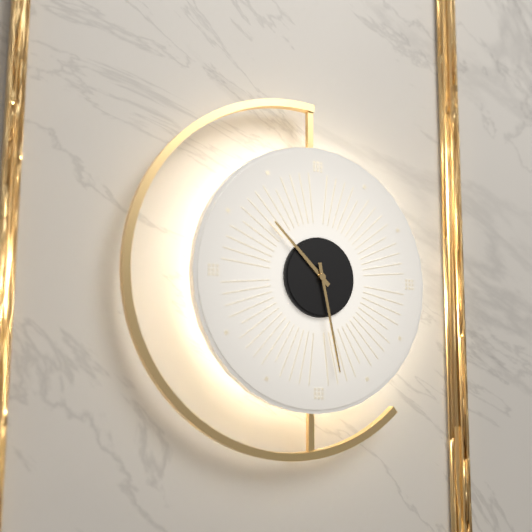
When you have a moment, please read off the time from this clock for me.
10:28
